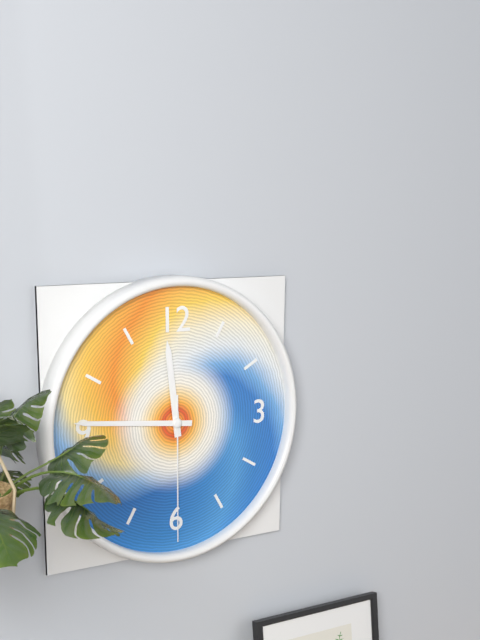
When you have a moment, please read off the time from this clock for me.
11:46:30
